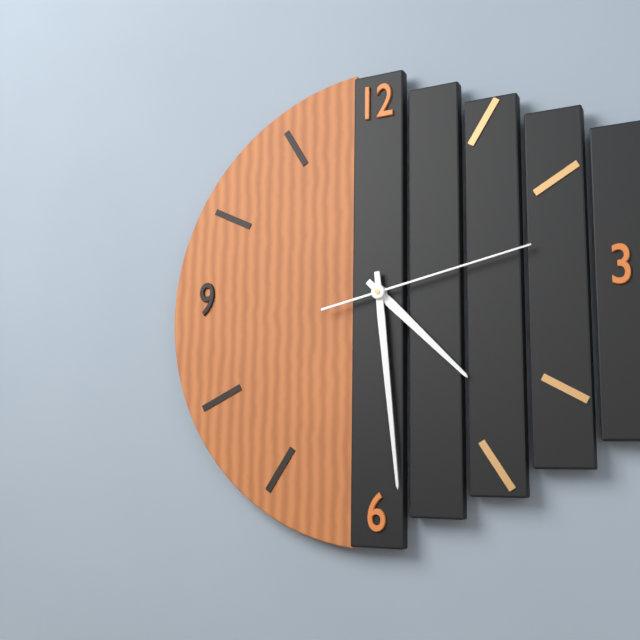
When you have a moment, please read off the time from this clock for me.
4:29:13
